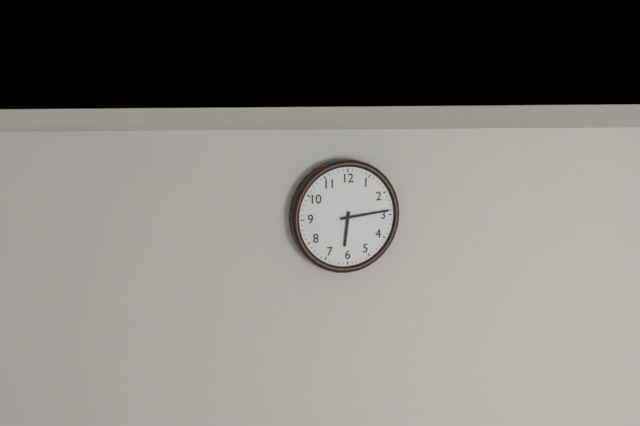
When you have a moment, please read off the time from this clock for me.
6:14
